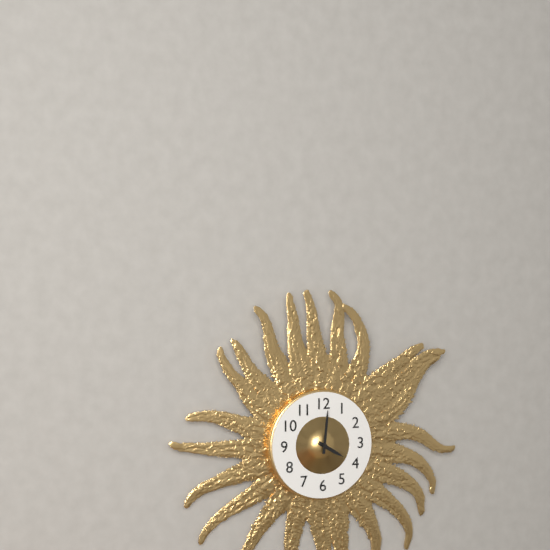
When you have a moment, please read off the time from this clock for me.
4:01
